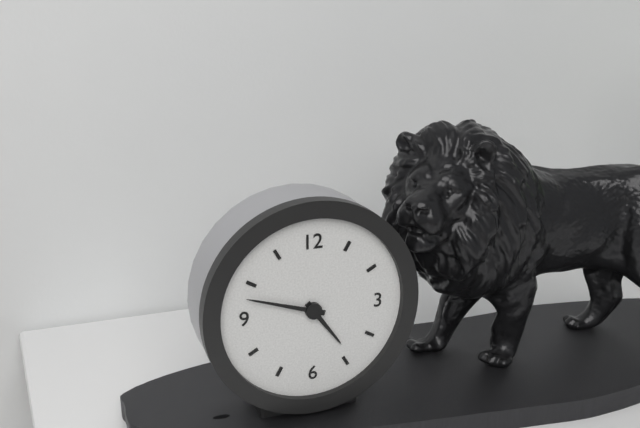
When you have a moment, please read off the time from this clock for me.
4:48
